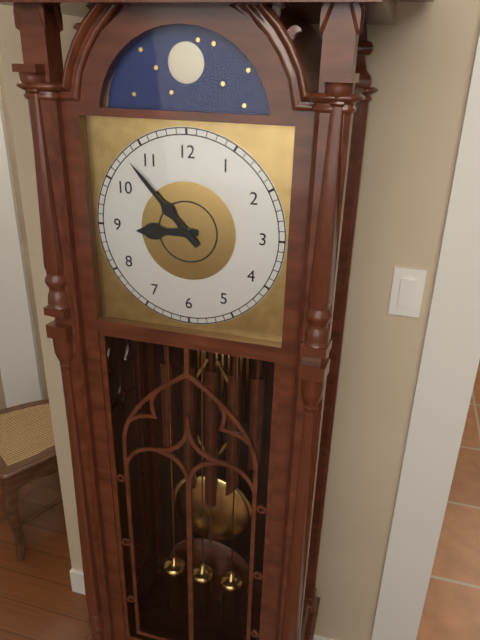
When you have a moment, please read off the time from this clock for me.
8:53
